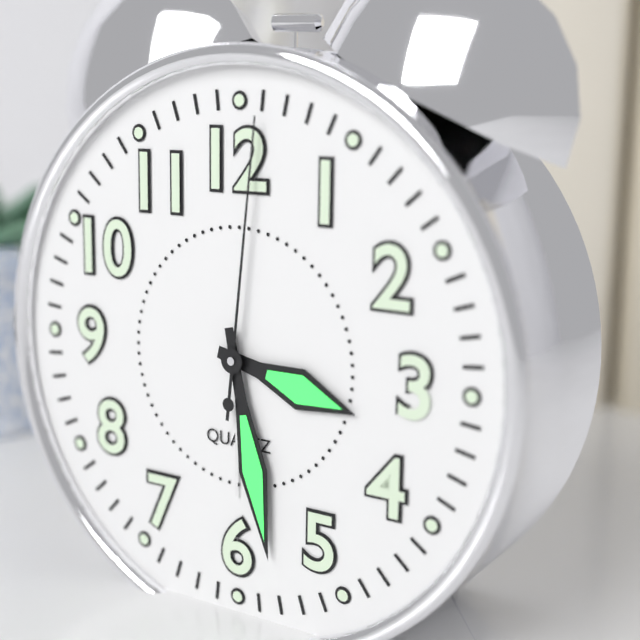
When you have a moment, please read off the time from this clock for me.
3:28:01
